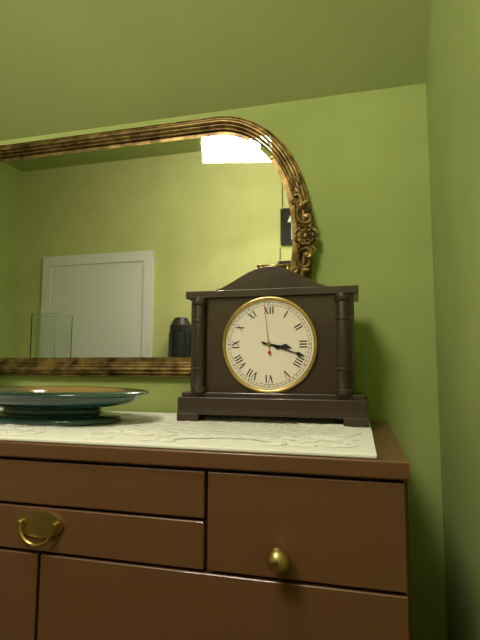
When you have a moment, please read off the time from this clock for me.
3:18:59
